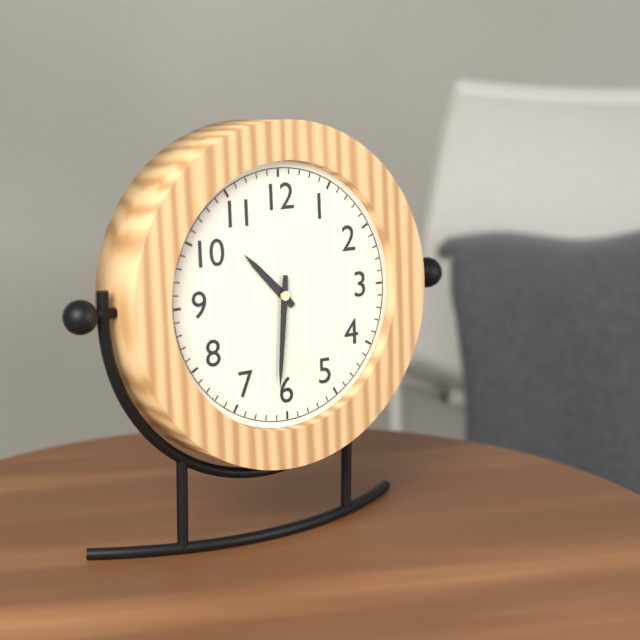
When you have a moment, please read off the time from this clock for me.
10:31
